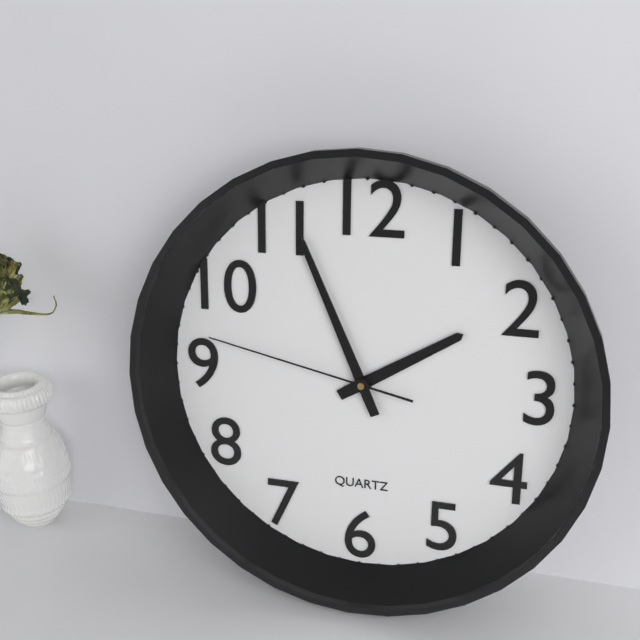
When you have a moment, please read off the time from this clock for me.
1:56:47
